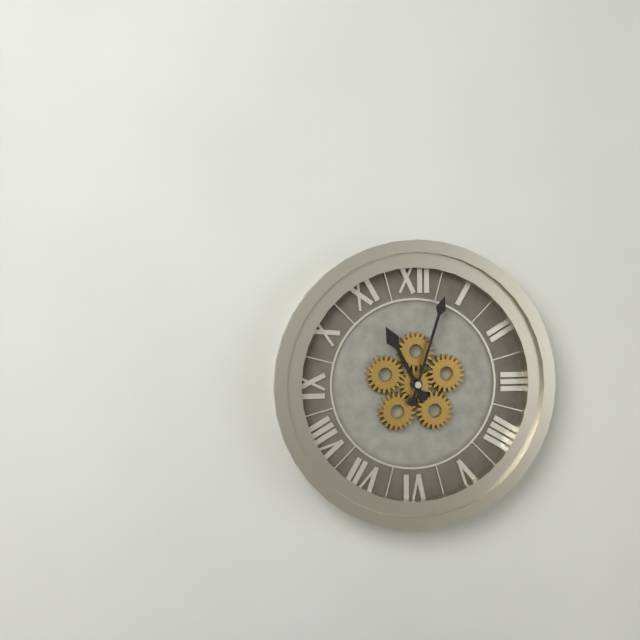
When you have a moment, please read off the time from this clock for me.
11:03
